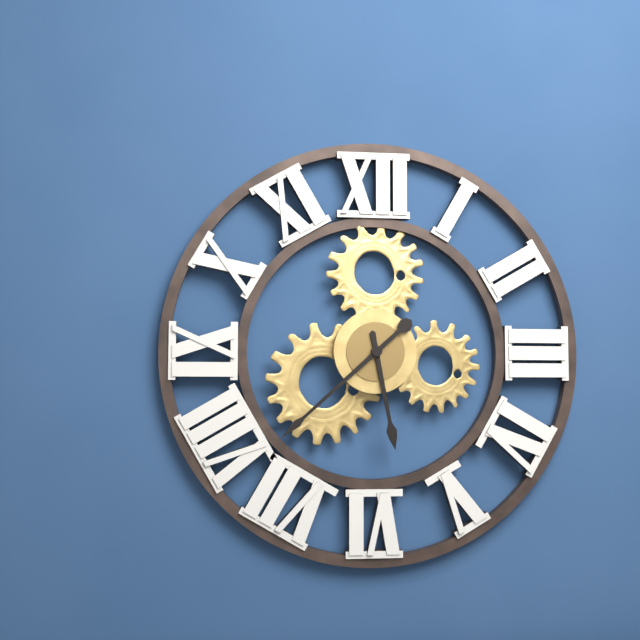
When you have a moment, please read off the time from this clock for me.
5:38
